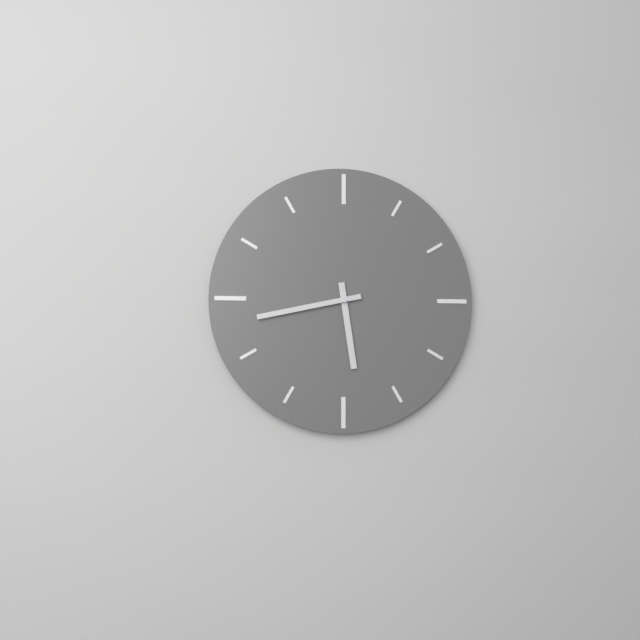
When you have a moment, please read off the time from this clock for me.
5:43
